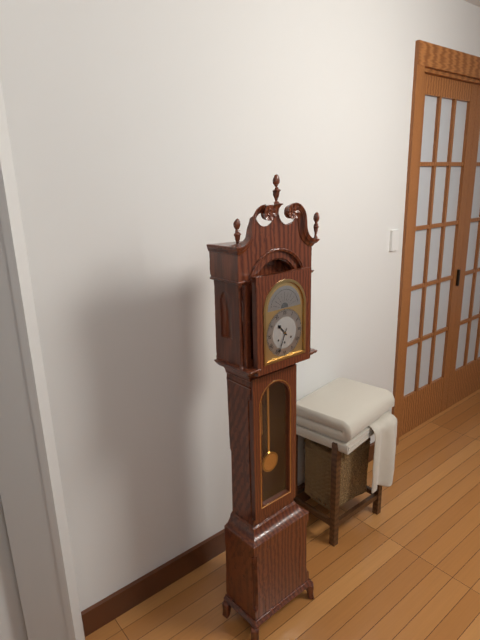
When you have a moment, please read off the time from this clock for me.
10:34
